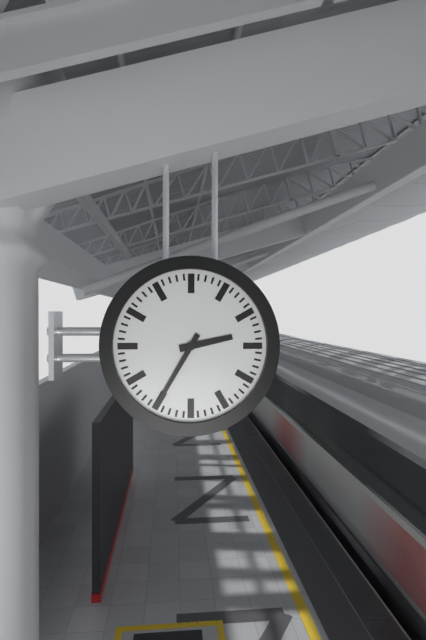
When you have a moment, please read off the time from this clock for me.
2:35
